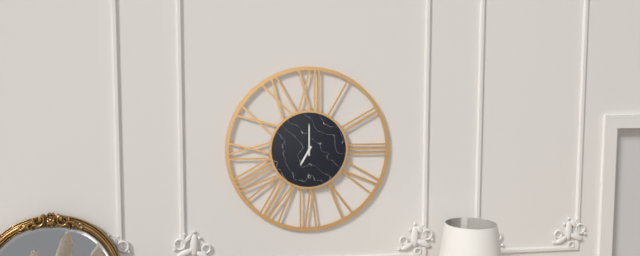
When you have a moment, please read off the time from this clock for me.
7:00
